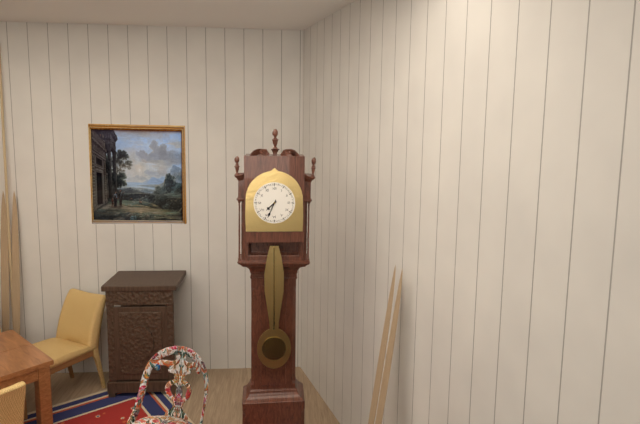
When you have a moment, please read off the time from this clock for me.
7:34
